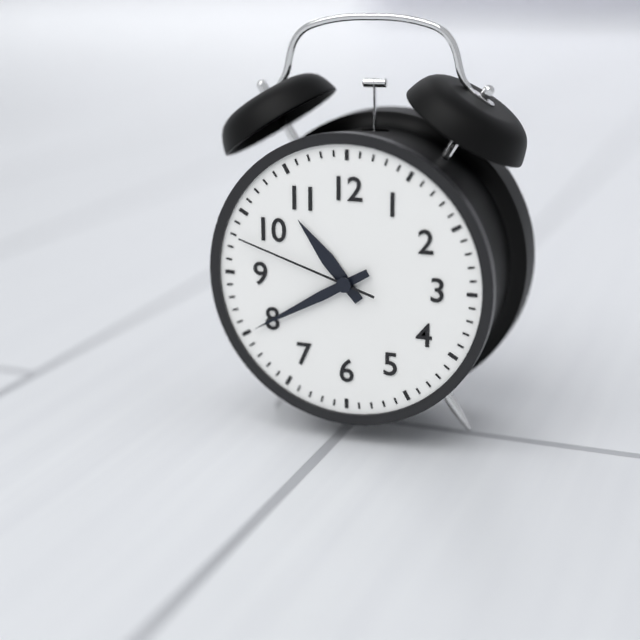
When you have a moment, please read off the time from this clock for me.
10:40:48
